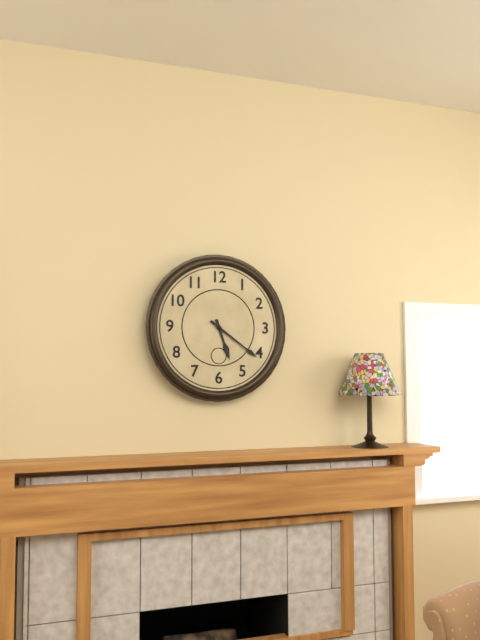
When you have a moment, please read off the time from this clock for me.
5:21
